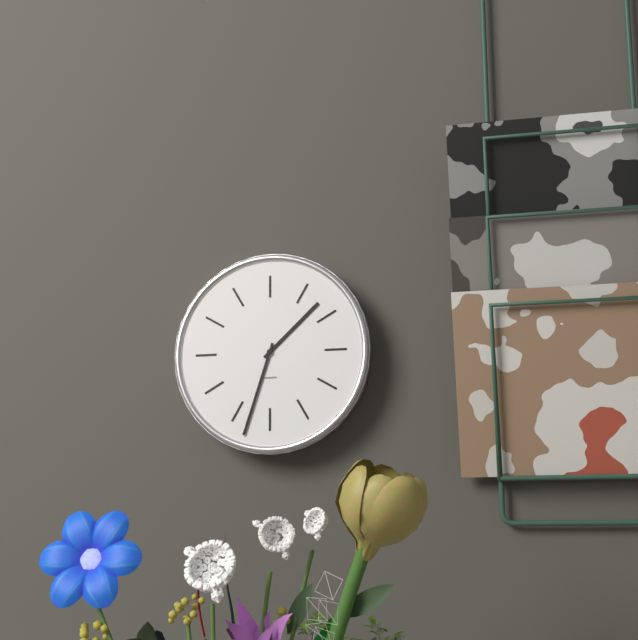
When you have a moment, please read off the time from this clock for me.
1:33
